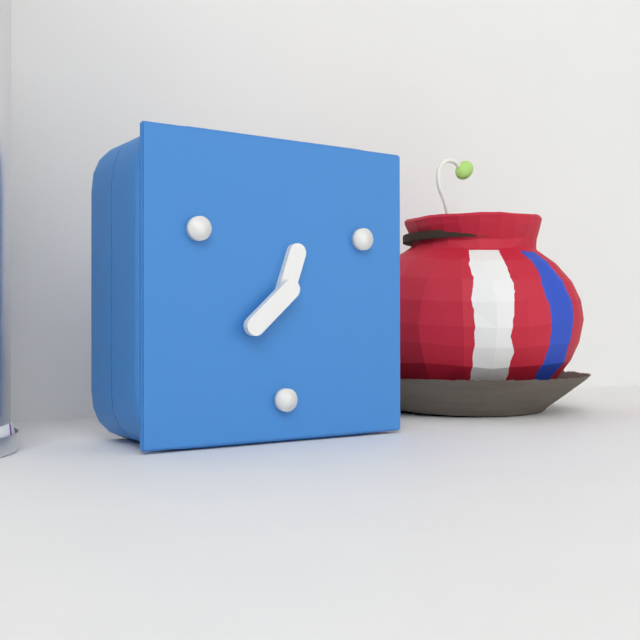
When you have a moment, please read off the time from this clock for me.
12:38
